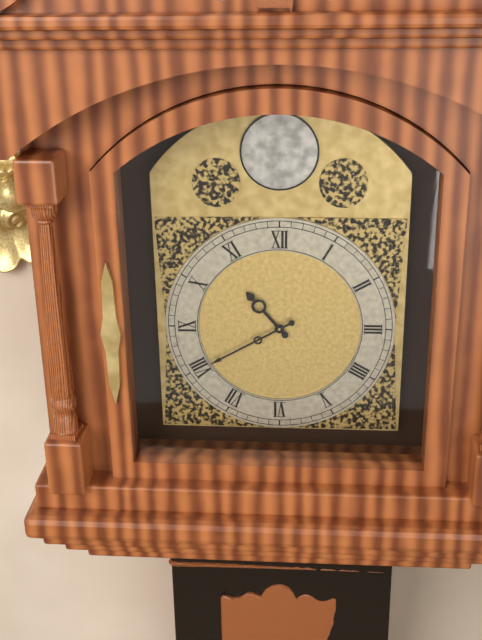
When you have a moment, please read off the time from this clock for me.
10:40
